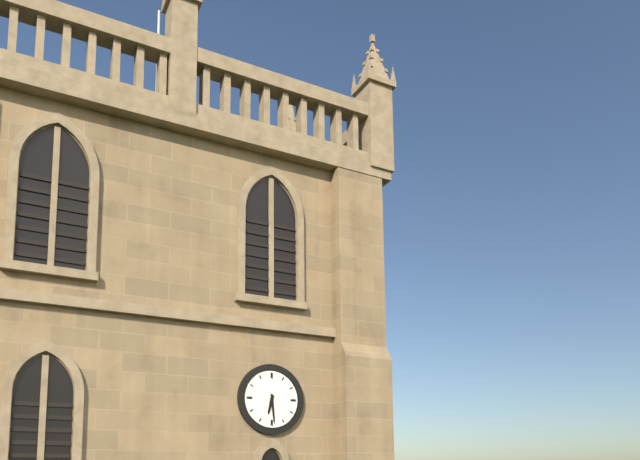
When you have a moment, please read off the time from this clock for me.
6:29
